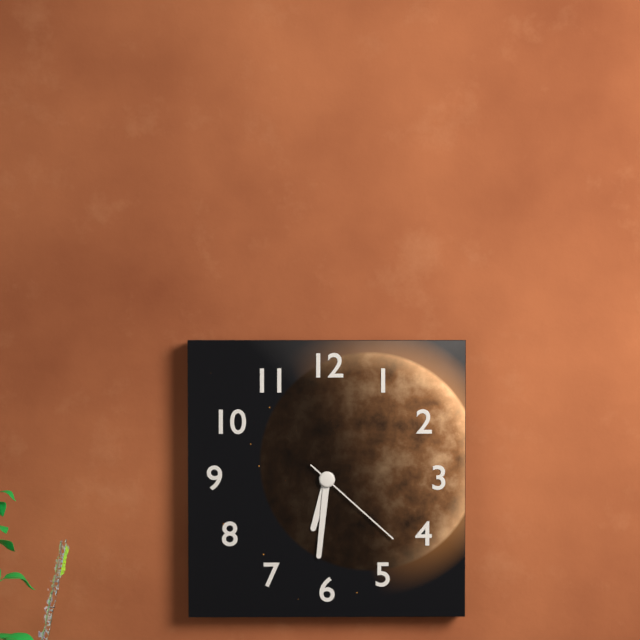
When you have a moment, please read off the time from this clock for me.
6:31:22
